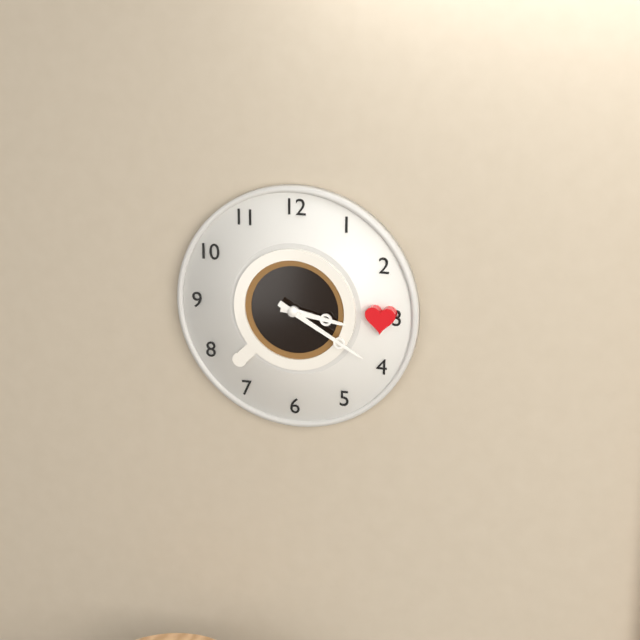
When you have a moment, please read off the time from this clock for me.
3:20
